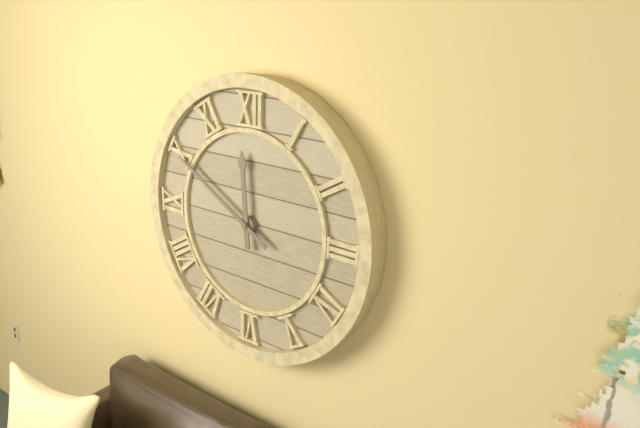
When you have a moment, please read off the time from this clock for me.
11:50
